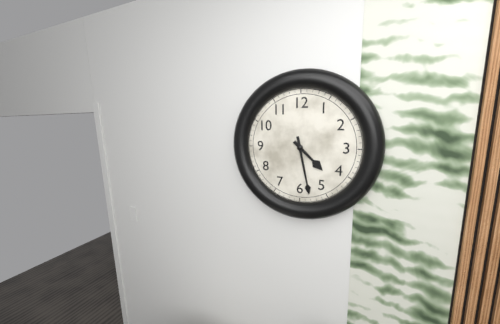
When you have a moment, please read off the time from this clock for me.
4:28
